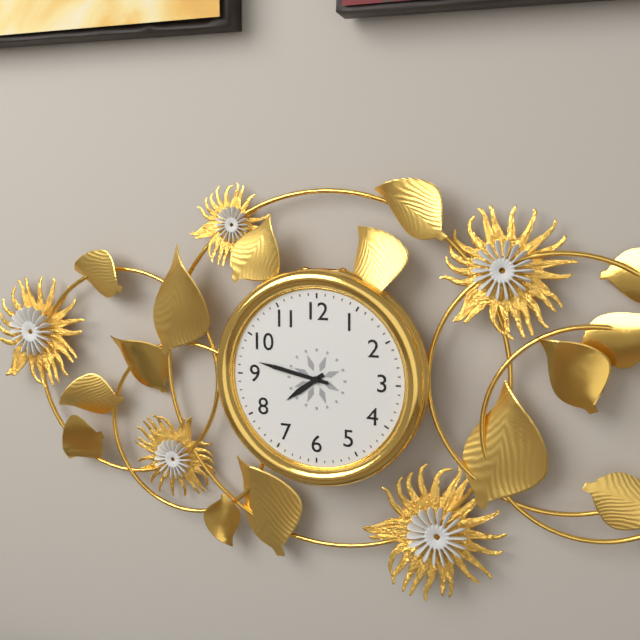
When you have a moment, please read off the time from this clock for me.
7:47
